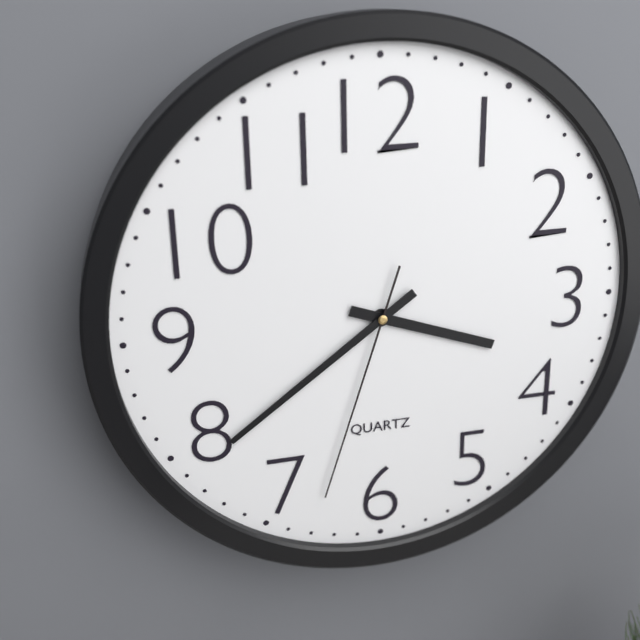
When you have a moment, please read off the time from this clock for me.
3:39:33
